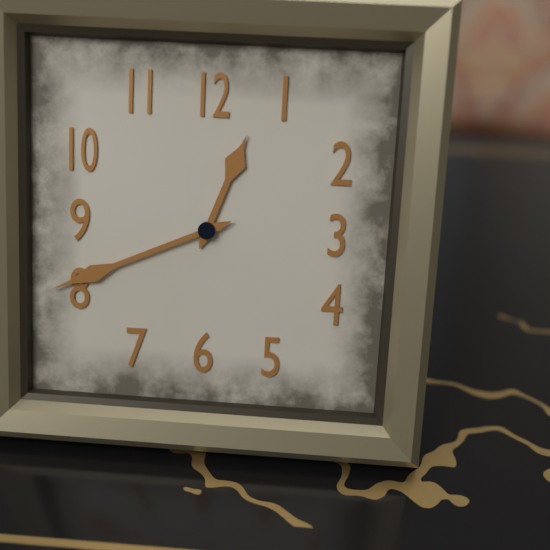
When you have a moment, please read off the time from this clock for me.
12:41
